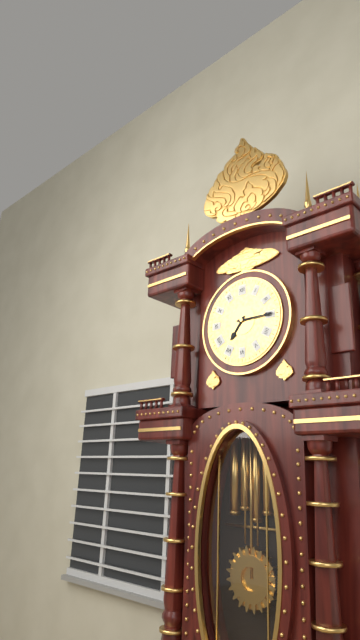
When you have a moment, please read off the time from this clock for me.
7:15
